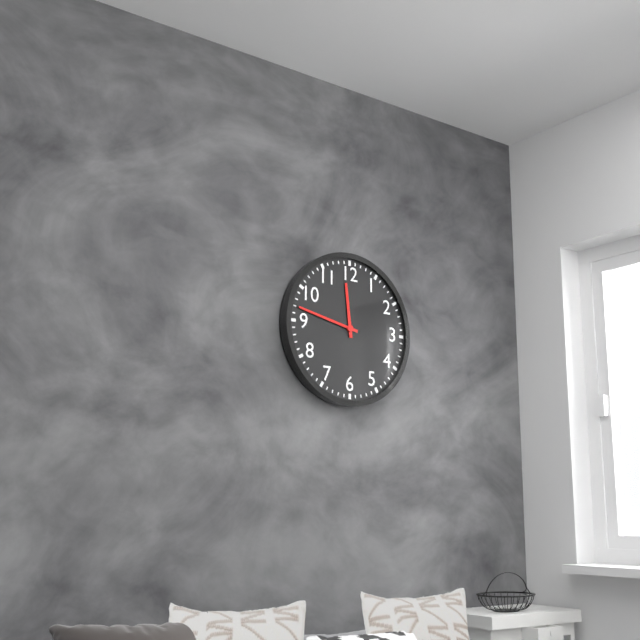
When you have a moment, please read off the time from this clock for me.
11:47
